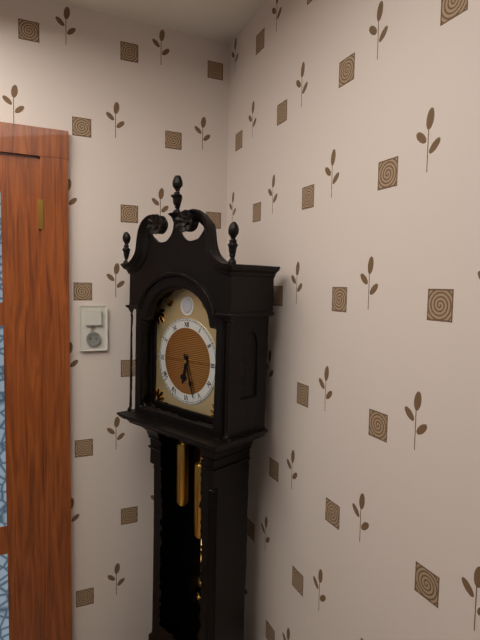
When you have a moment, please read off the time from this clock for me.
6:27
